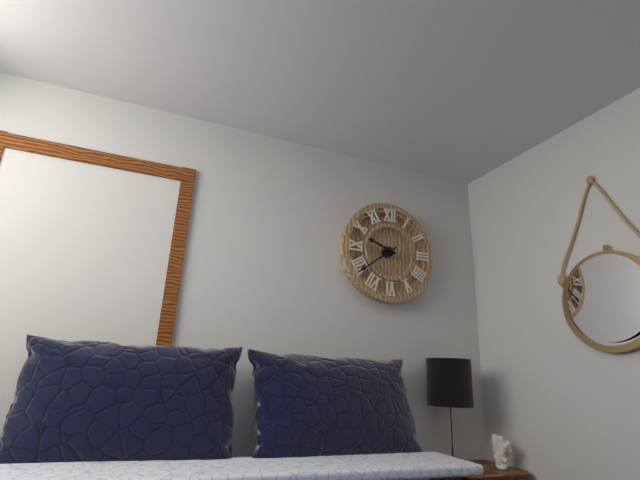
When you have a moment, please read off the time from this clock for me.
9:39
